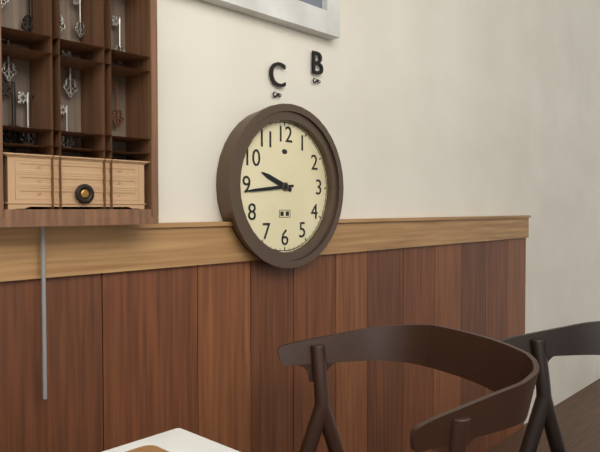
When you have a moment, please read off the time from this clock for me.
9:44
